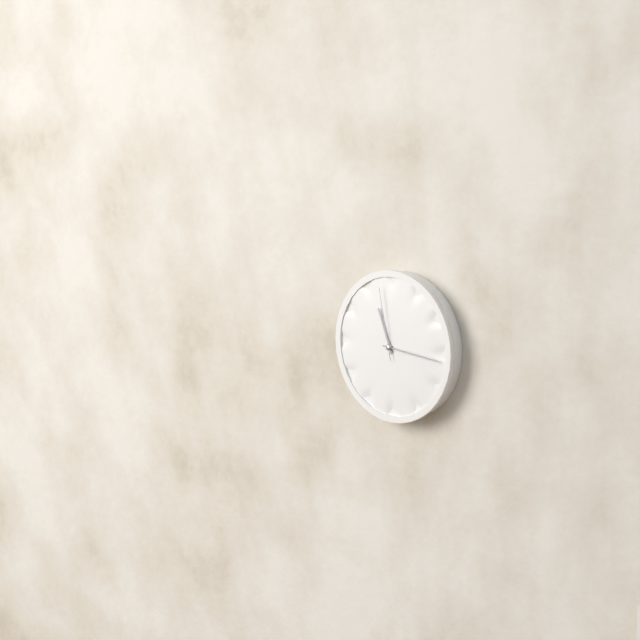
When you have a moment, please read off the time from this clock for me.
11:16:58
